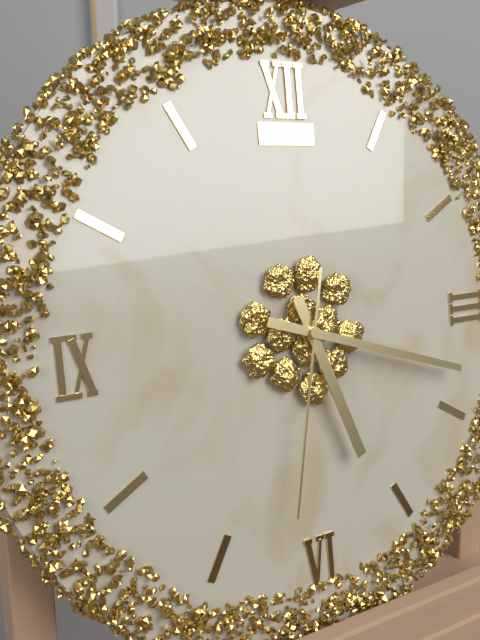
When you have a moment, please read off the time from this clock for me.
5:18:32
